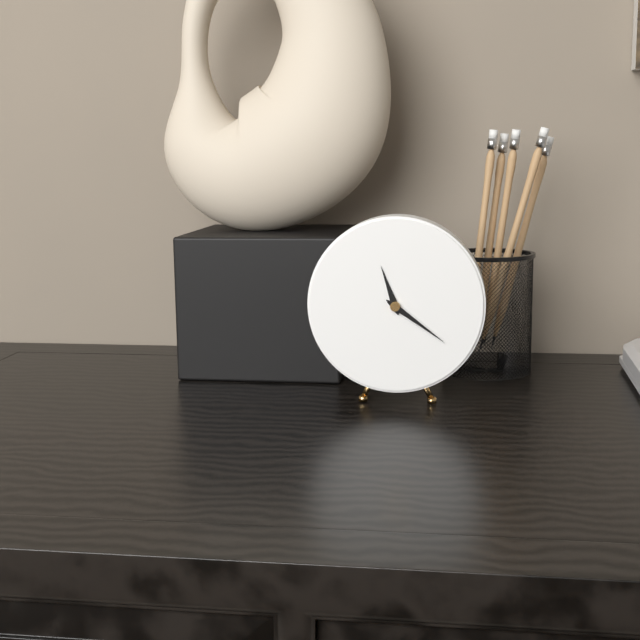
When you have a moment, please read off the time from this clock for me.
11:21
